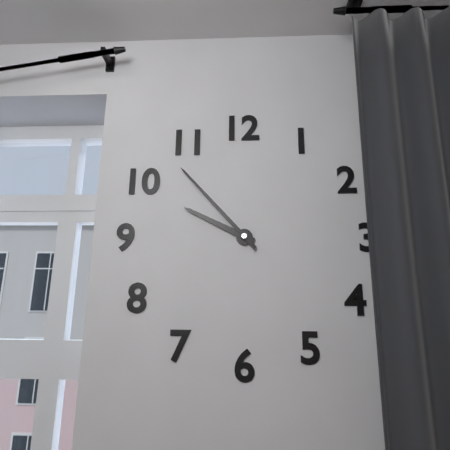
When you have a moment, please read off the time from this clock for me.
9:53
